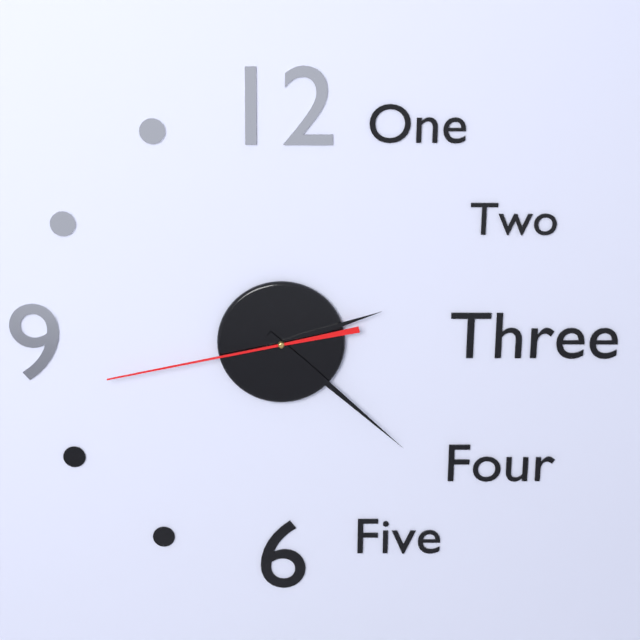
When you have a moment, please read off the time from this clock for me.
2:22:43
